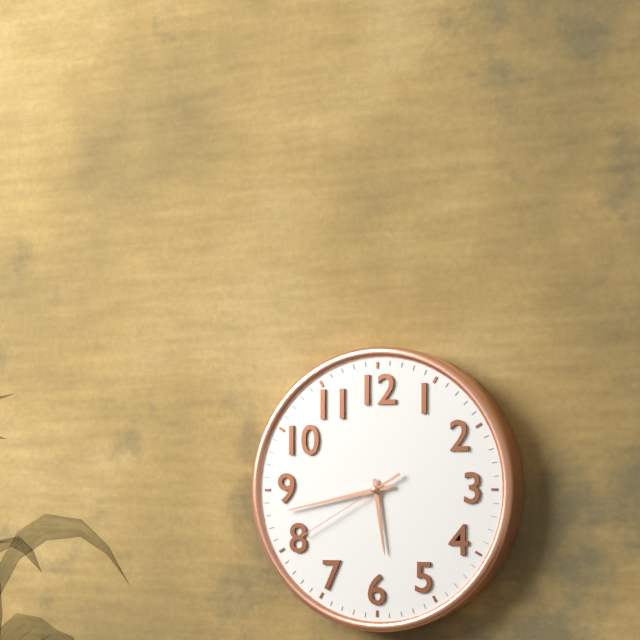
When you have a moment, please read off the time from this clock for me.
5:43:40
